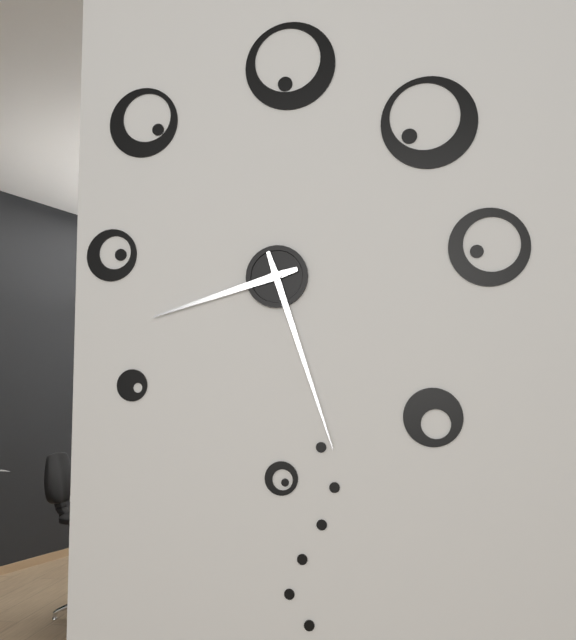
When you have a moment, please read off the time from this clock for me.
8:27
